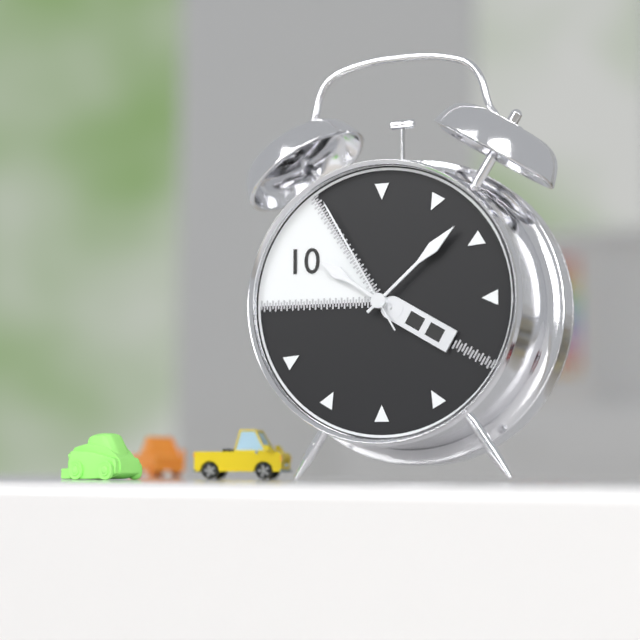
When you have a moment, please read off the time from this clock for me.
10:08:55
